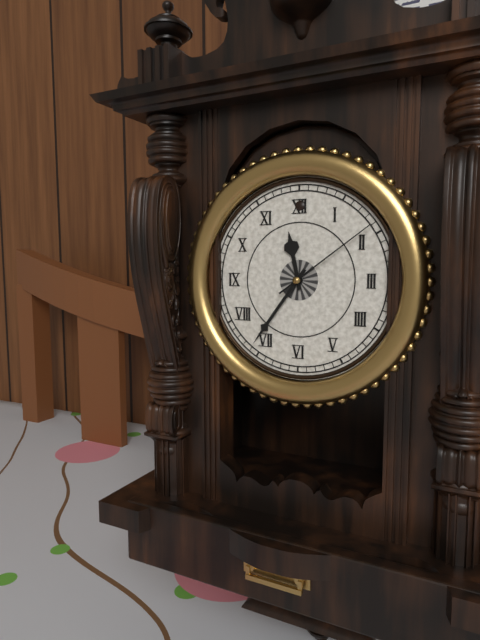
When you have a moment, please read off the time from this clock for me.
11:36:09
